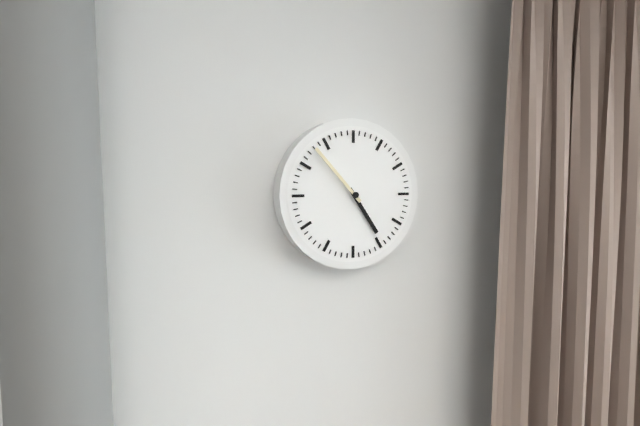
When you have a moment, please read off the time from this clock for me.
4:53
